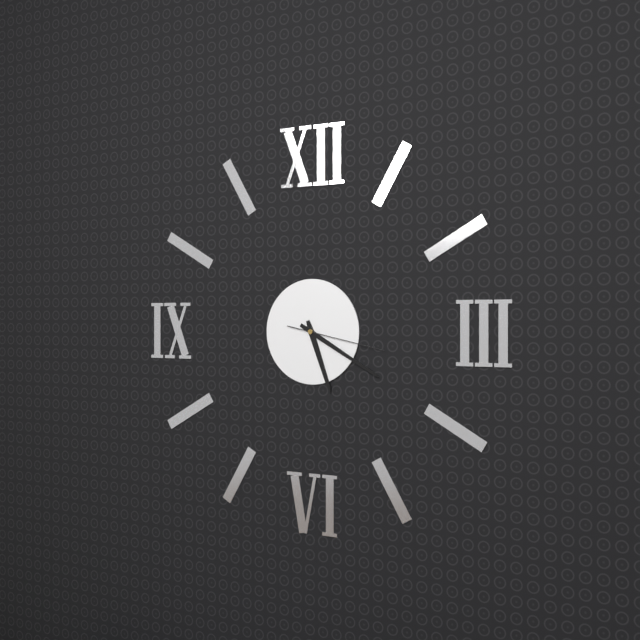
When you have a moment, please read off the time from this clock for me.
5:20:17
